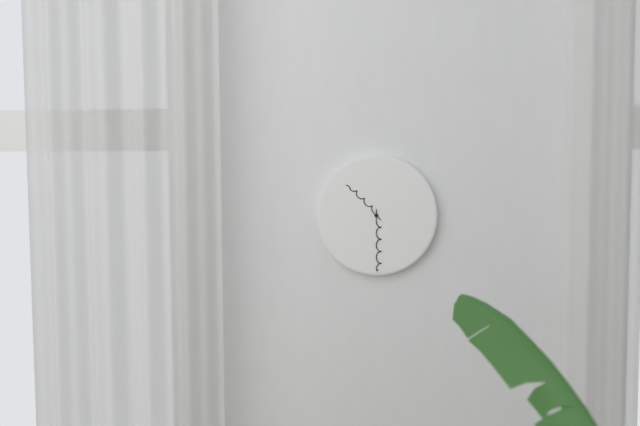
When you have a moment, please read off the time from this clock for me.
10:30
